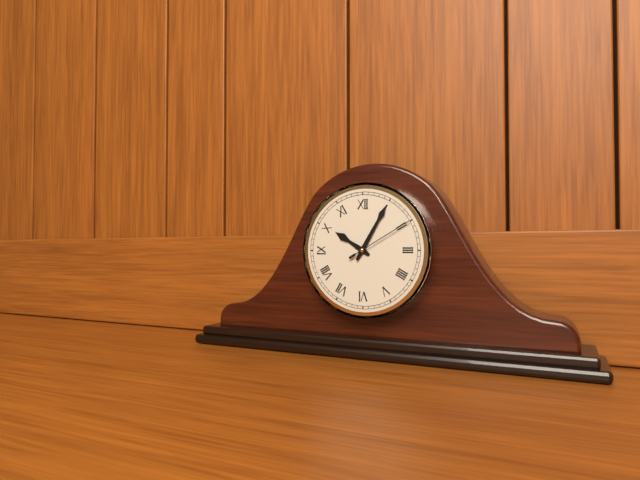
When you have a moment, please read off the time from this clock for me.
10:05:10
